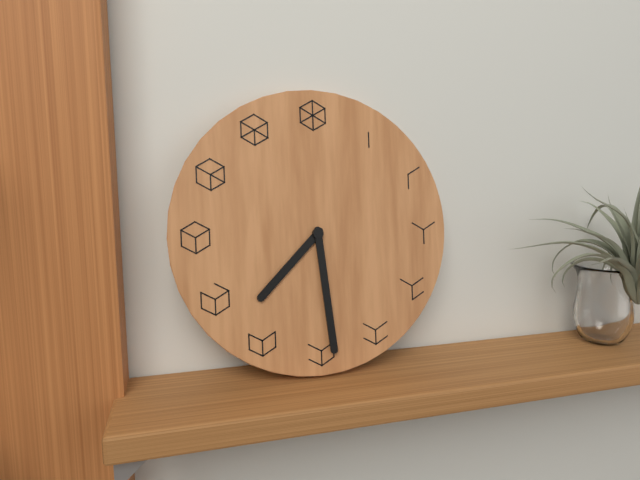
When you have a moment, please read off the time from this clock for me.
7:29
